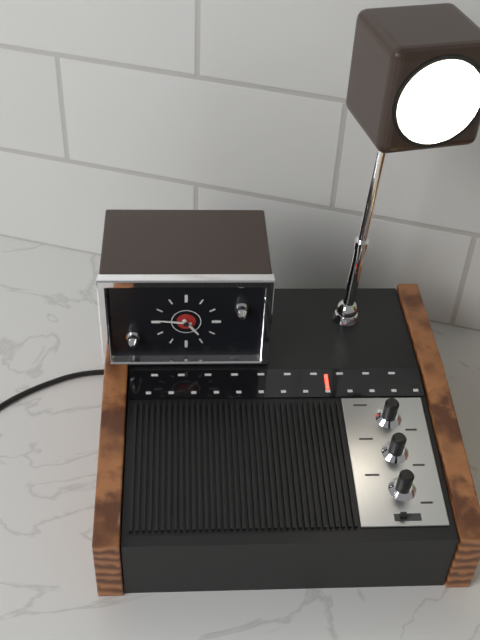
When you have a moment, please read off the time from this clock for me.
4:46
